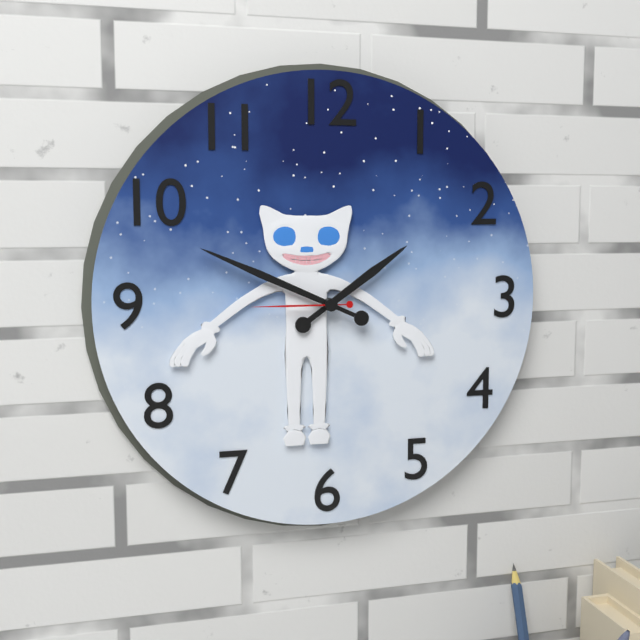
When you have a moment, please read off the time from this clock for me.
1:49:45
